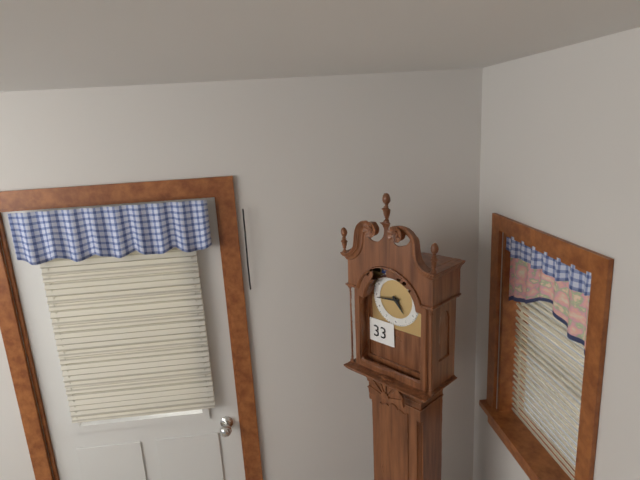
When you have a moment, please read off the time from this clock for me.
4:44
